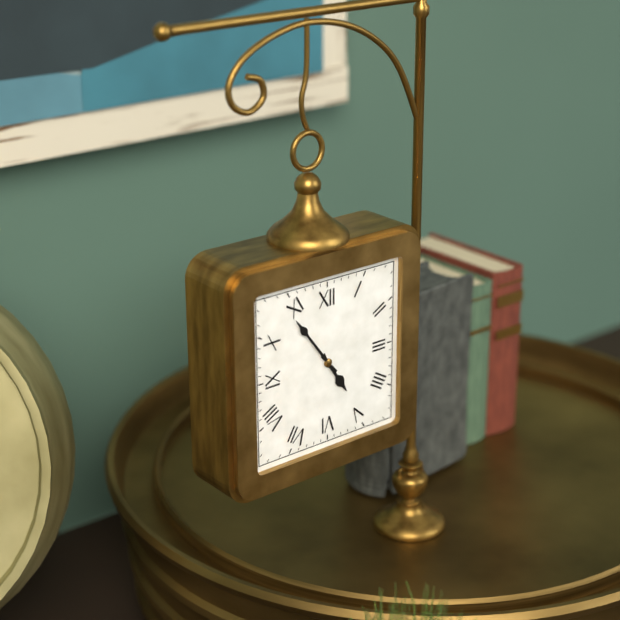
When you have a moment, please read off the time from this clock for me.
4:54
